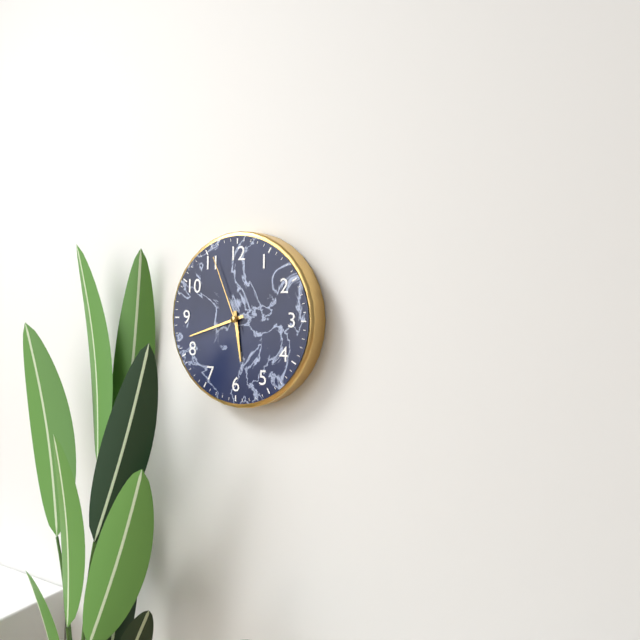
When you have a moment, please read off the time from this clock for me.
5:42:56
